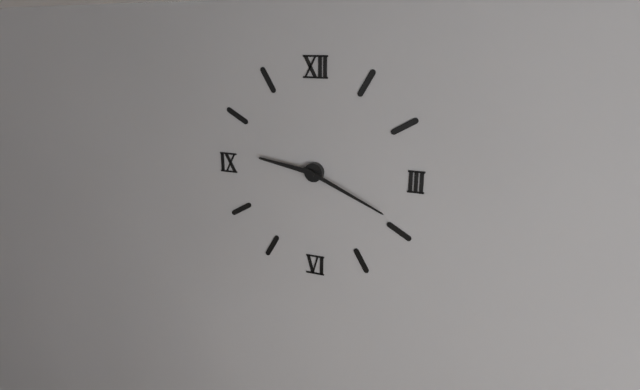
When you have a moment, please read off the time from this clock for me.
9:19
